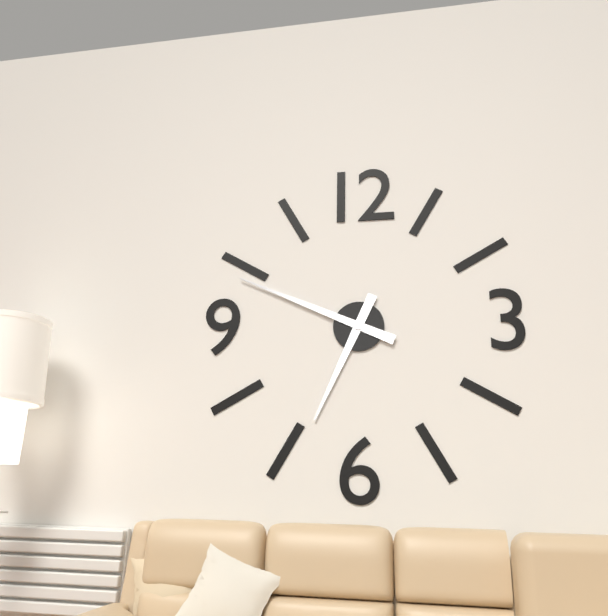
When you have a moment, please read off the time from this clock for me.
6:49
